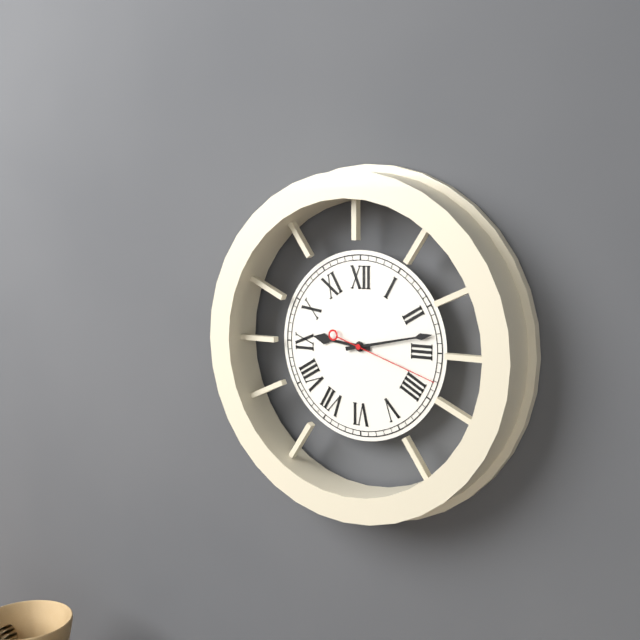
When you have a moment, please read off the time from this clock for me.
9:13:18
